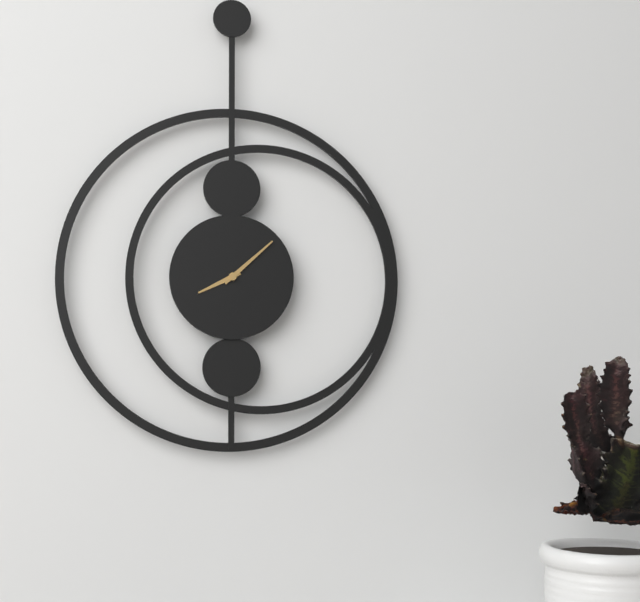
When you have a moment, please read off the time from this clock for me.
8:08
